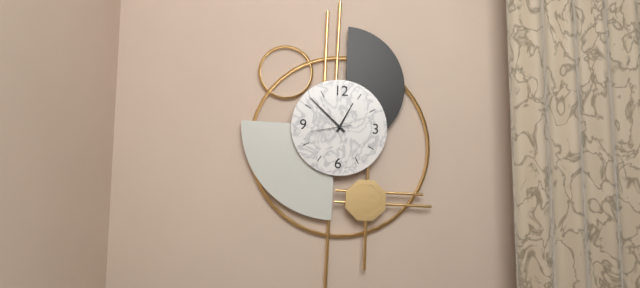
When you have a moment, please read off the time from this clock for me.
12:52
